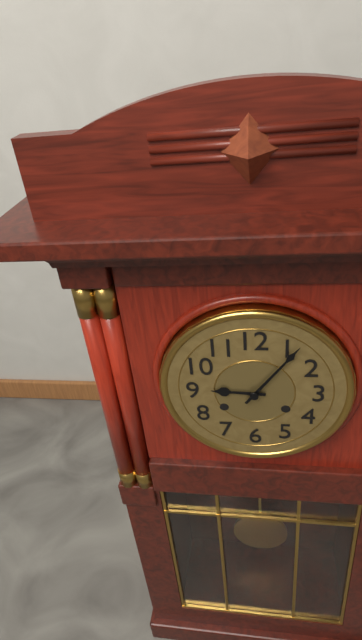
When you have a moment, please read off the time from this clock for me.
9:06
